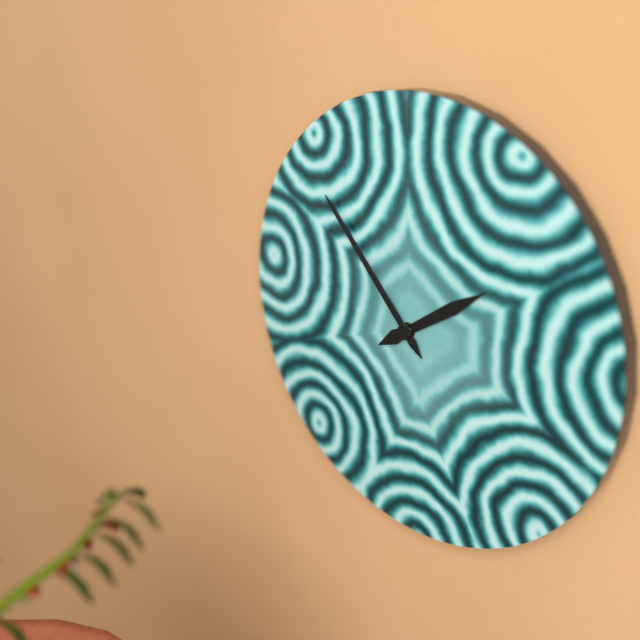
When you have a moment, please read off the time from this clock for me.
1:53
